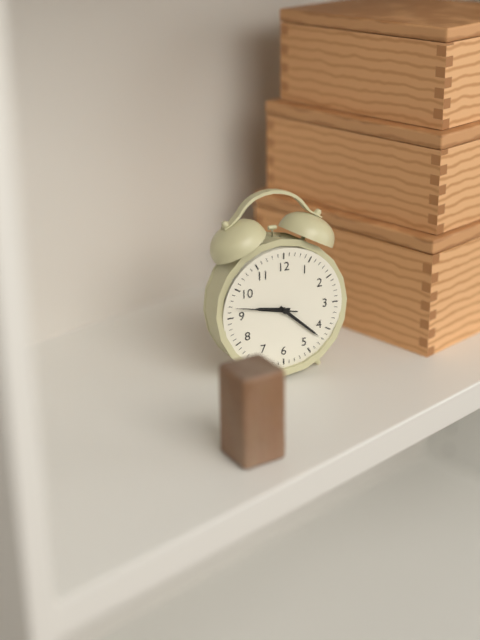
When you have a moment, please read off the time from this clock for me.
9:22:47
